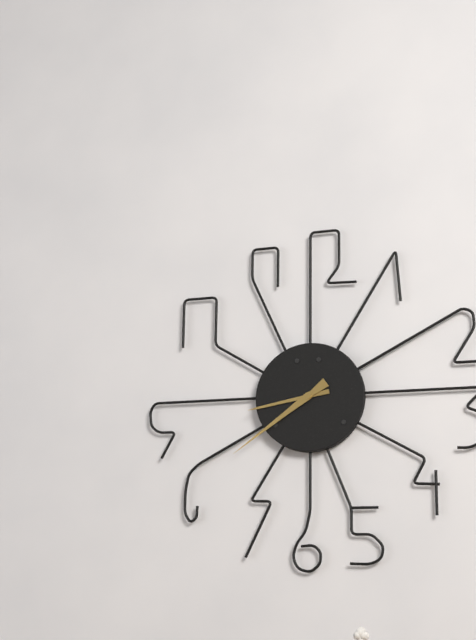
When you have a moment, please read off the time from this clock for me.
8:39
